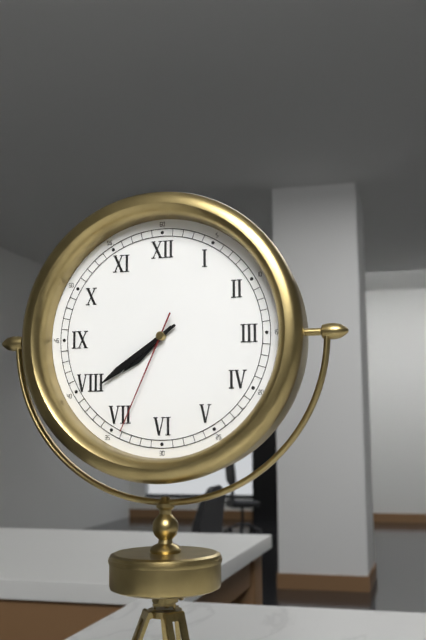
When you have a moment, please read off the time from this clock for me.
7:39:34
